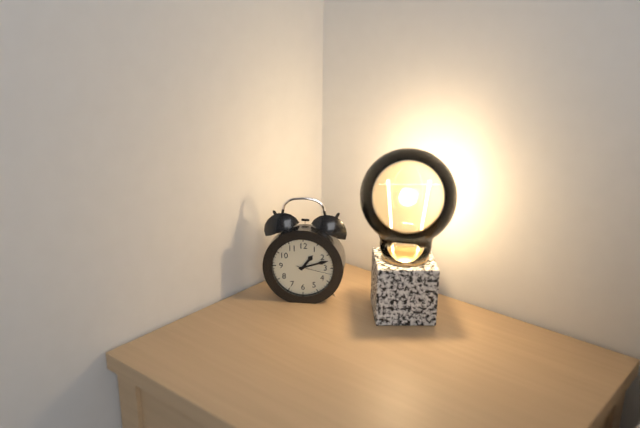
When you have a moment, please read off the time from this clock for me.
1:12
